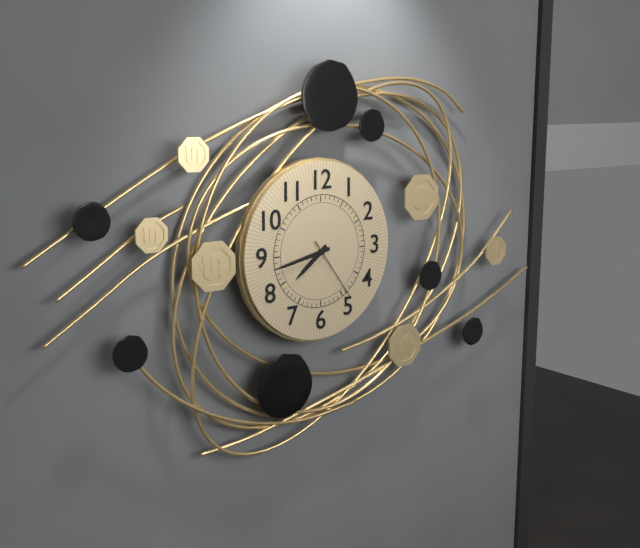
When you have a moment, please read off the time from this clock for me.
7:43:24
